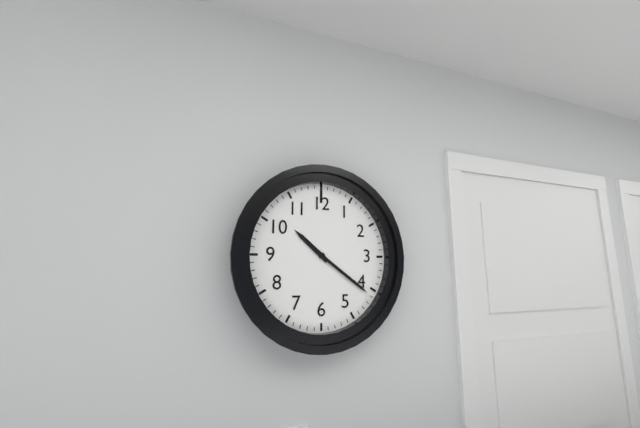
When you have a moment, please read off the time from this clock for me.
10:21
